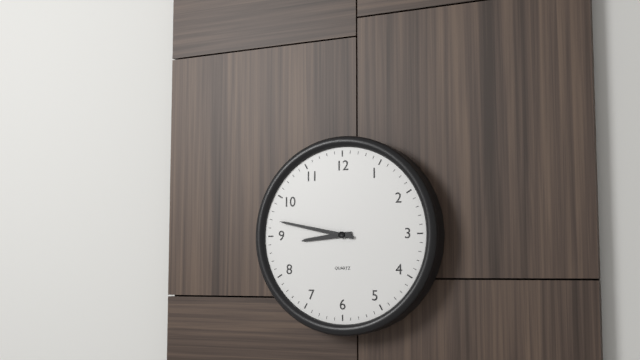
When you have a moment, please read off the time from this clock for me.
8:47
